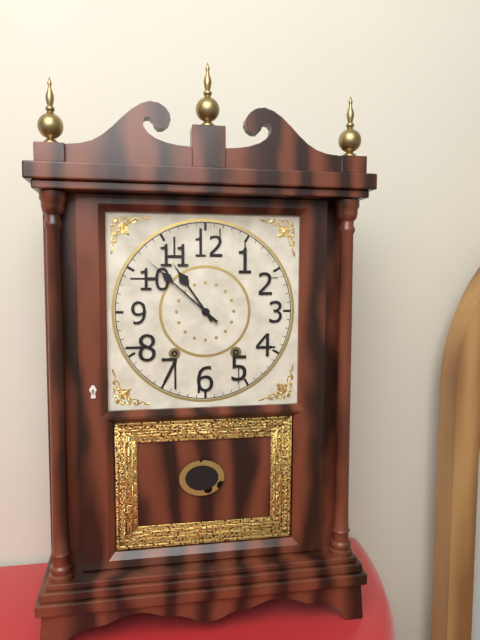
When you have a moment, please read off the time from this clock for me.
10:52
